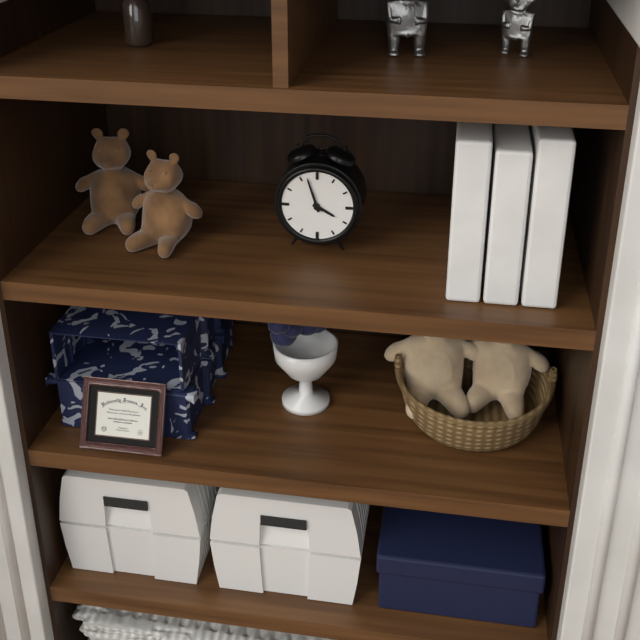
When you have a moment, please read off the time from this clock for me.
3:57
